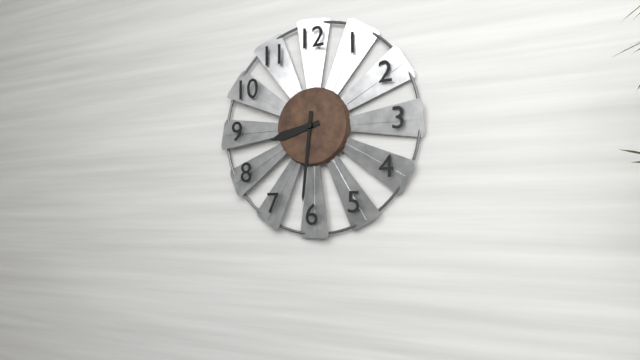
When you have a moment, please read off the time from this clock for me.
8:31
